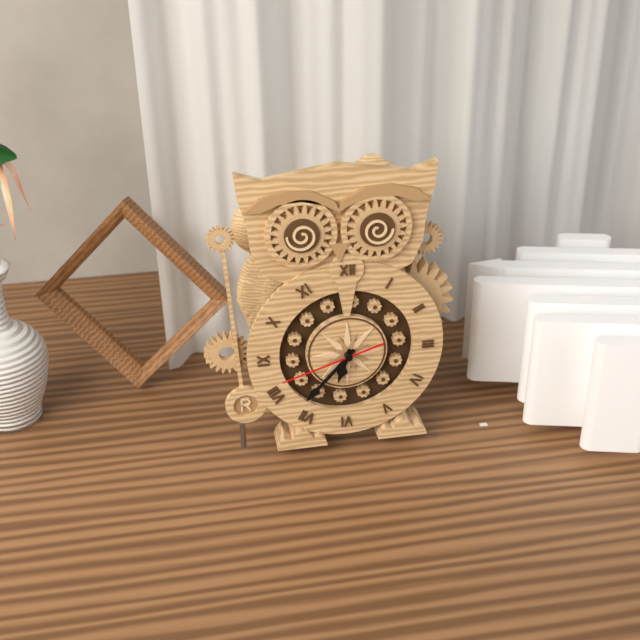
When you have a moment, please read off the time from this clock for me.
6:37:42
